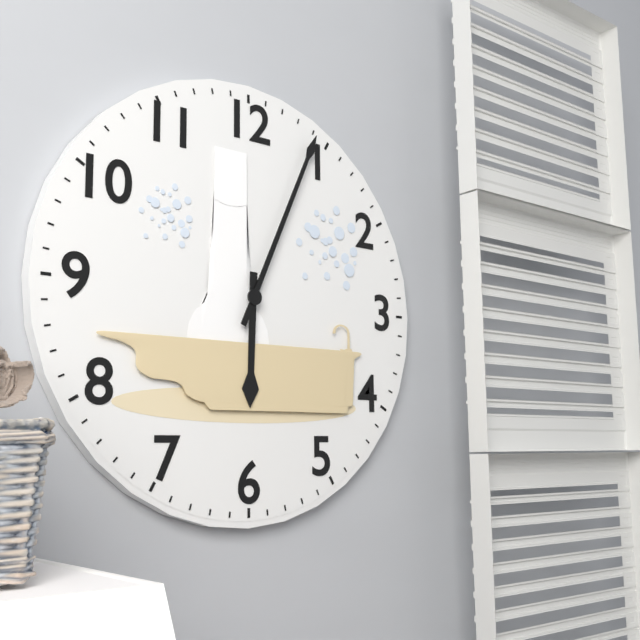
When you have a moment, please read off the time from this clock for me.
6:04
